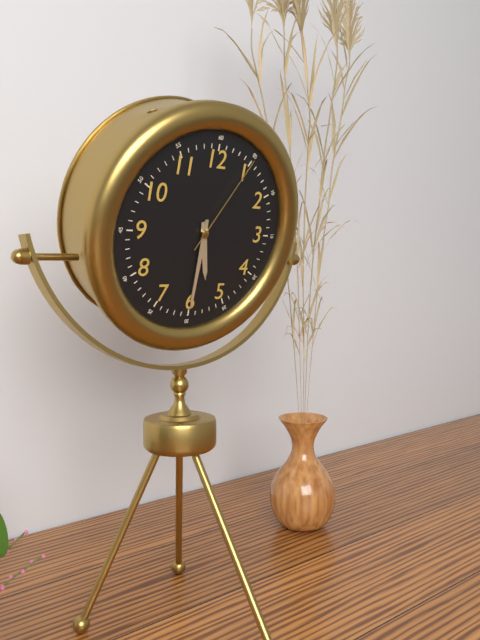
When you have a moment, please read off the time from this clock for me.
5:30:05
